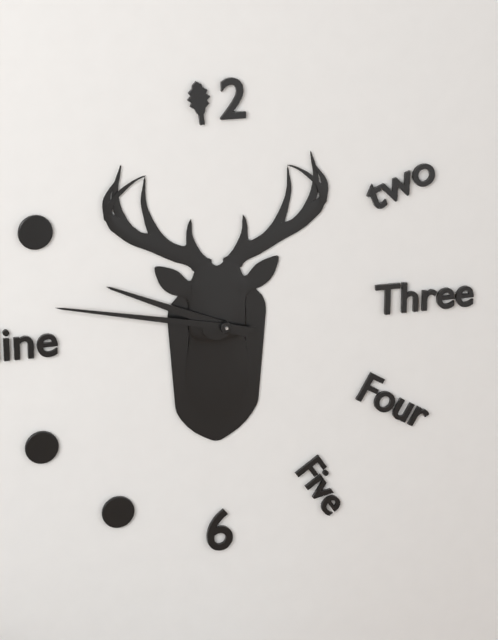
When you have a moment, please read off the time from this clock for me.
9:47
